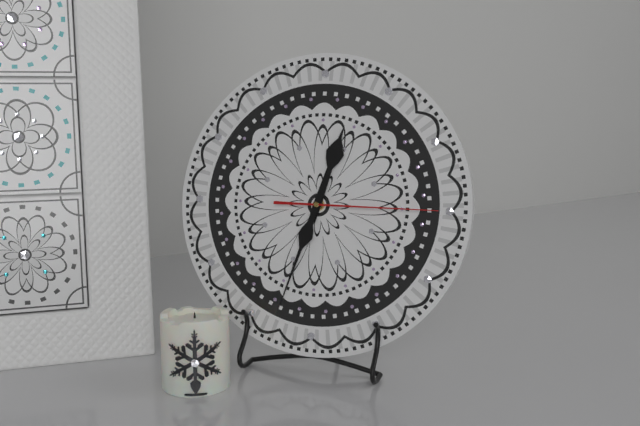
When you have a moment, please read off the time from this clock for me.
12:33:15
